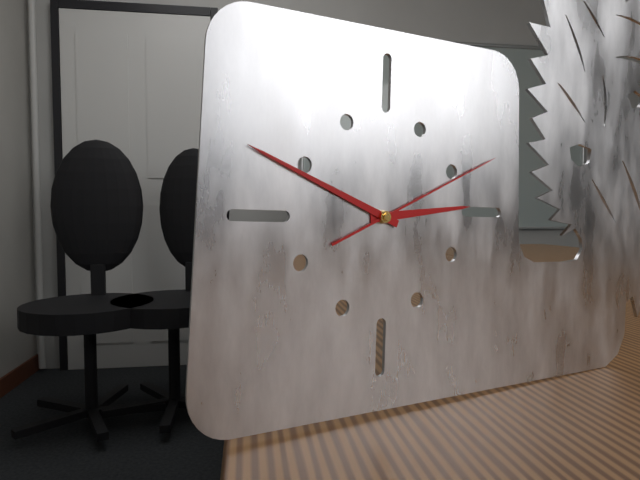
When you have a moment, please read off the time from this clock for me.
2:49:11
